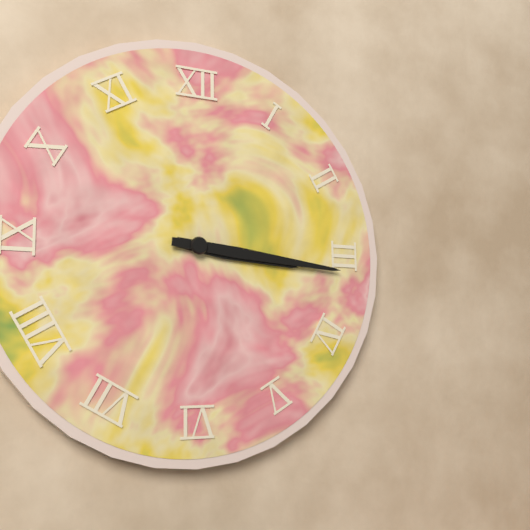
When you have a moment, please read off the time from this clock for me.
3:16
